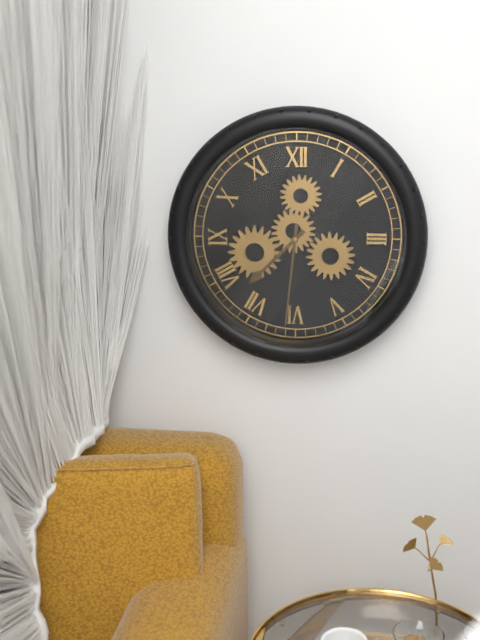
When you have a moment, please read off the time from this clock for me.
7:31
